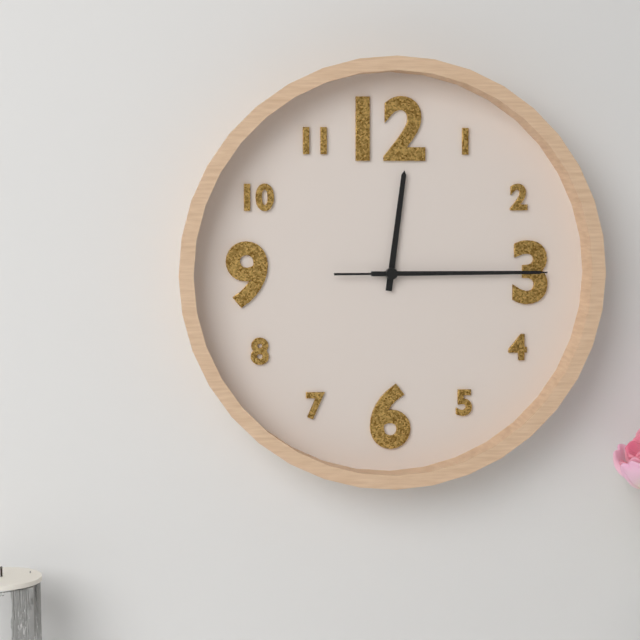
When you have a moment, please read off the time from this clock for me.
12:15:15
